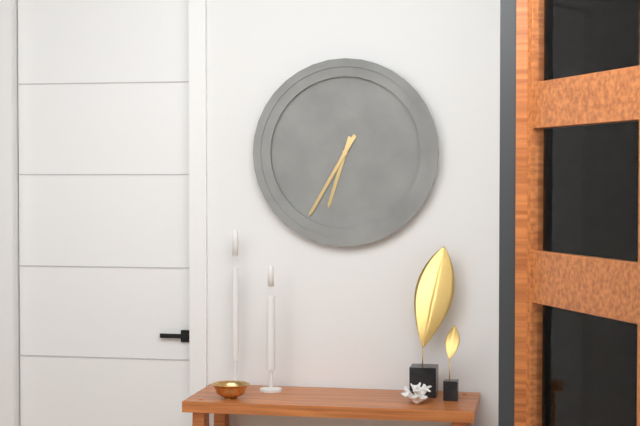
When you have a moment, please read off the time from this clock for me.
6:35
